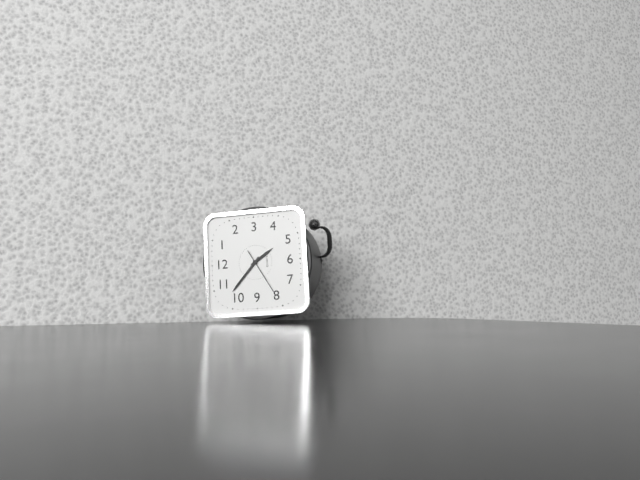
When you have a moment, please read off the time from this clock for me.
4:52
